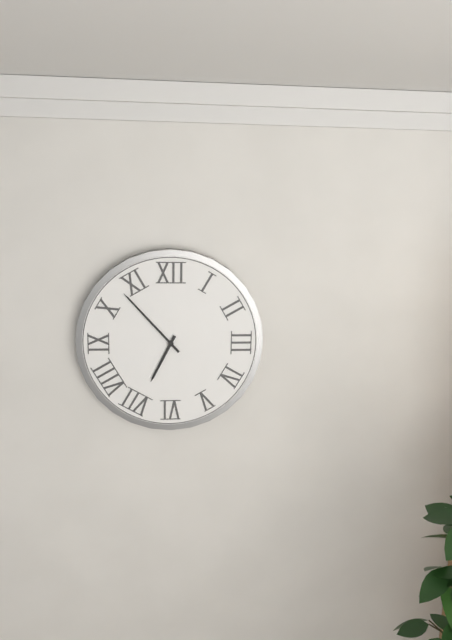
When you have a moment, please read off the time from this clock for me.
6:53
